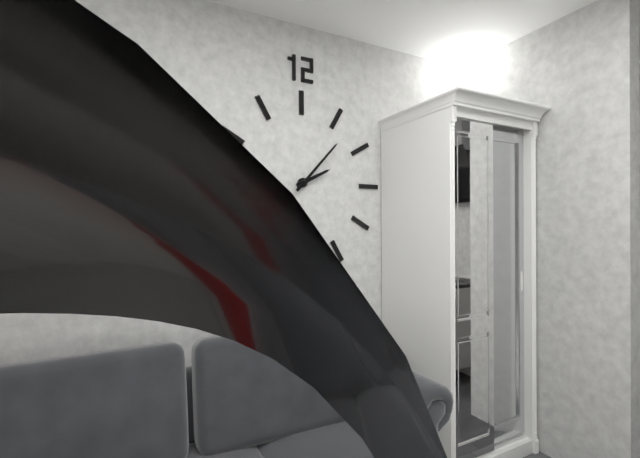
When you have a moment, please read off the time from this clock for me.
2:07
